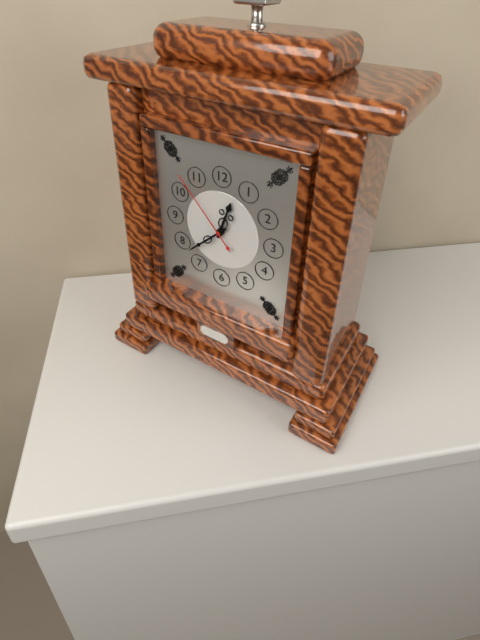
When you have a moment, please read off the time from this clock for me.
12:38:53
